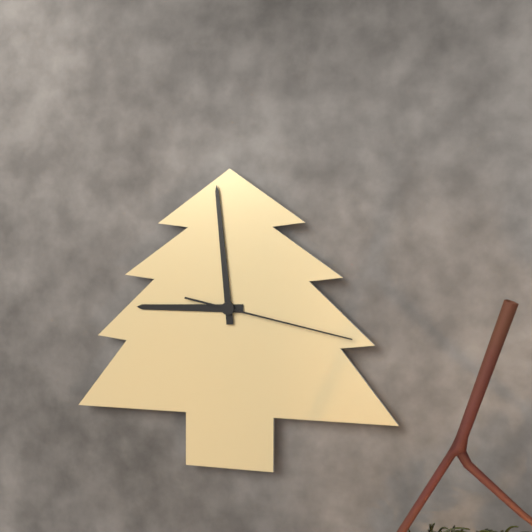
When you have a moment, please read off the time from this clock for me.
8:59:17
